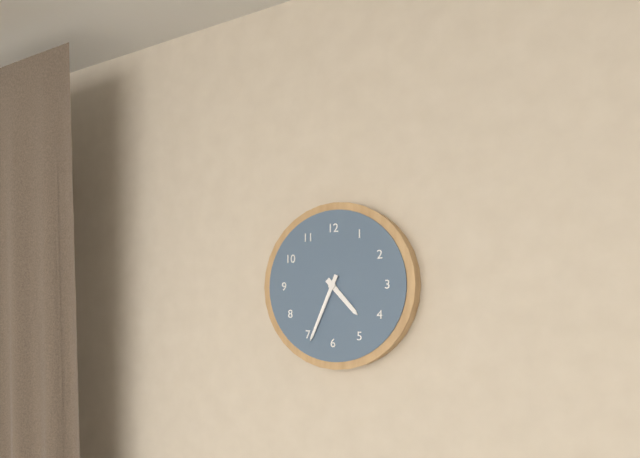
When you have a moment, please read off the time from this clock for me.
4:34
